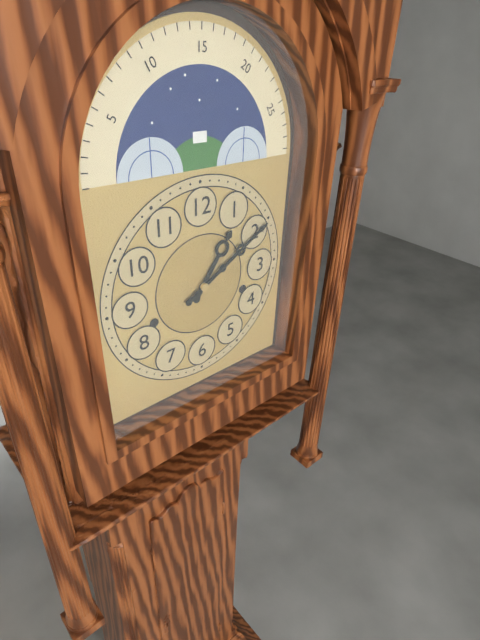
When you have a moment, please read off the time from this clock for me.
1:10
